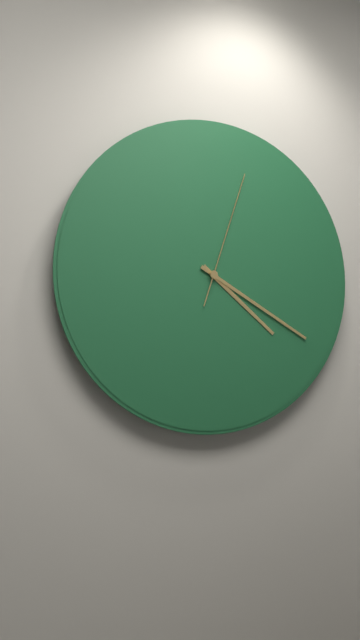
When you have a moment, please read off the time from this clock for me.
4:20:03
